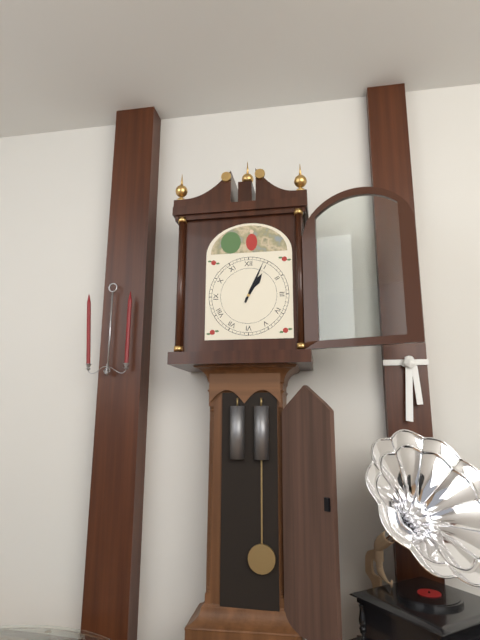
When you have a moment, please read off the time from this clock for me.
1:04
